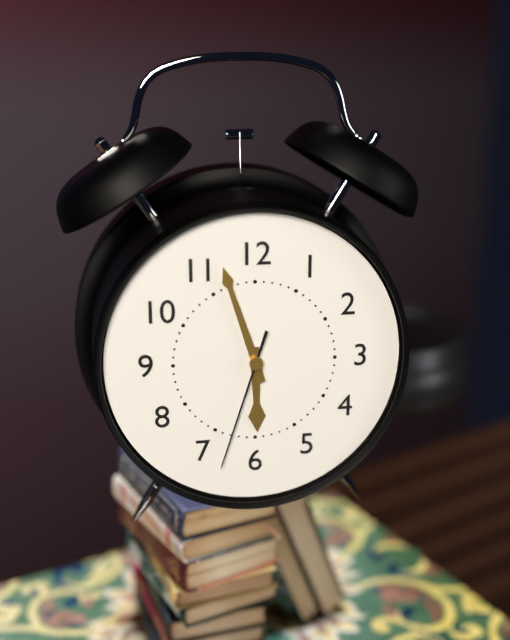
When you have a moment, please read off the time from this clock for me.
5:57:33
